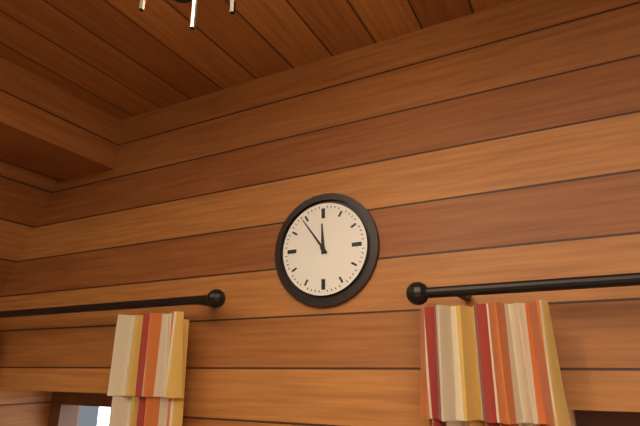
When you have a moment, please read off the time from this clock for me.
11:54
